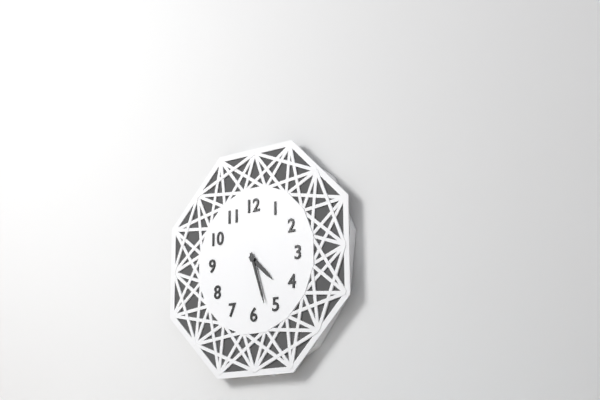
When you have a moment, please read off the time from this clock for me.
4:27
